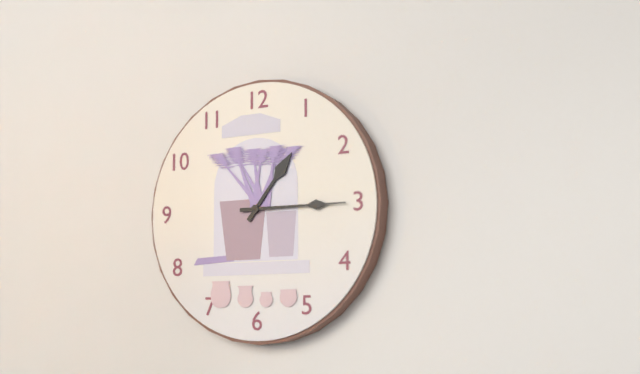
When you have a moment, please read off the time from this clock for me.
1:15
